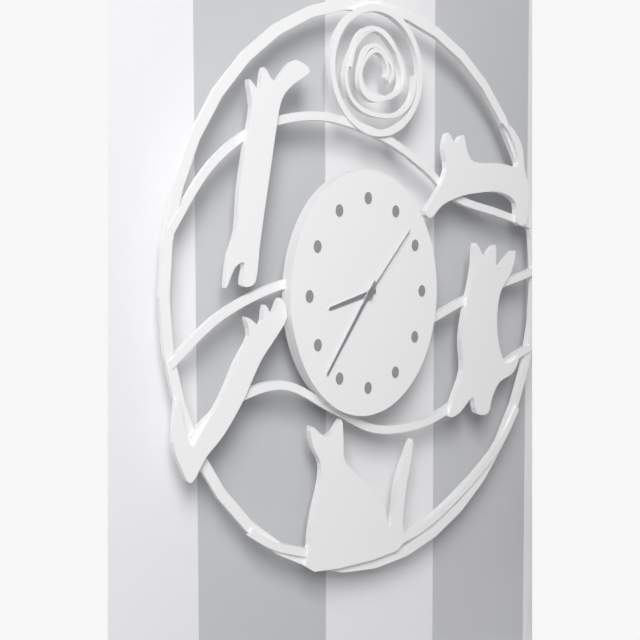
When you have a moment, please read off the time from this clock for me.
8:37:08
